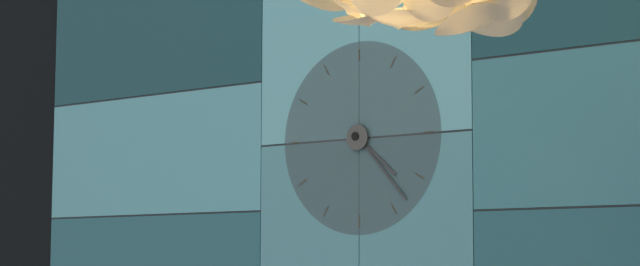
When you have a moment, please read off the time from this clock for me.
4:23
